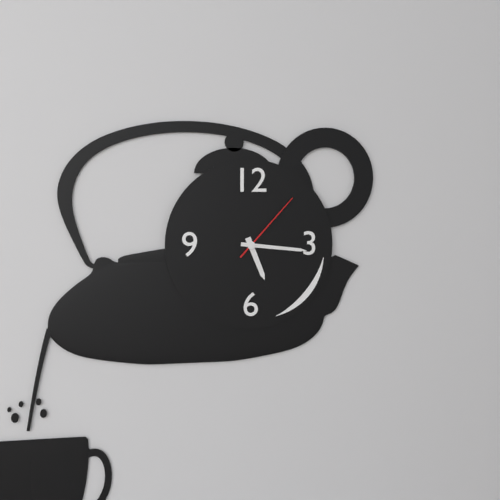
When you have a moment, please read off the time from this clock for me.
5:16:07
